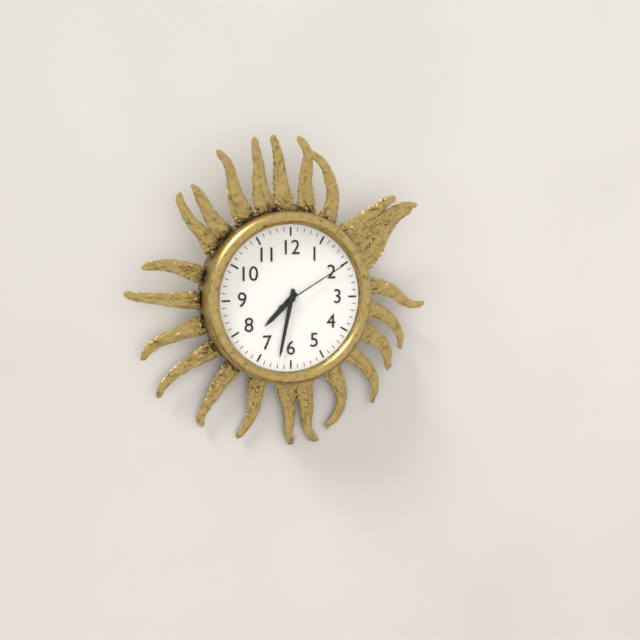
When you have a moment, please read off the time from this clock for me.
7:32:10
